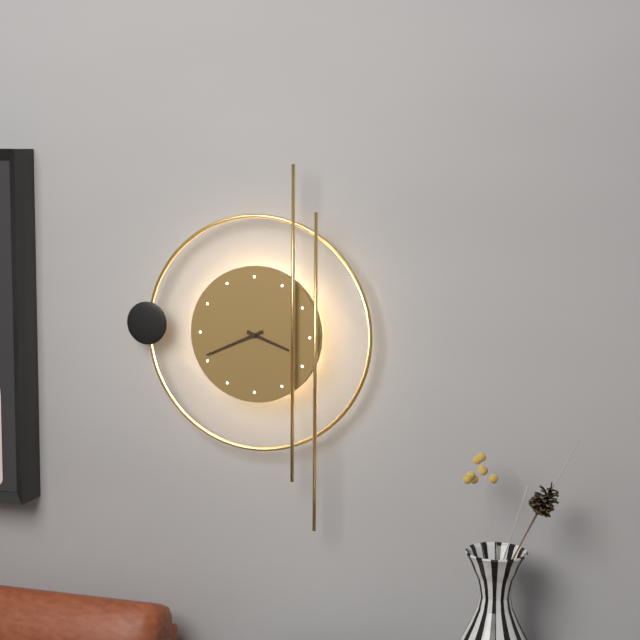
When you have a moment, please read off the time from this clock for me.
3:41
